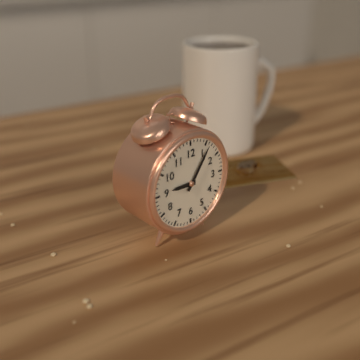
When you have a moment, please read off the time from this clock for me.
9:06
